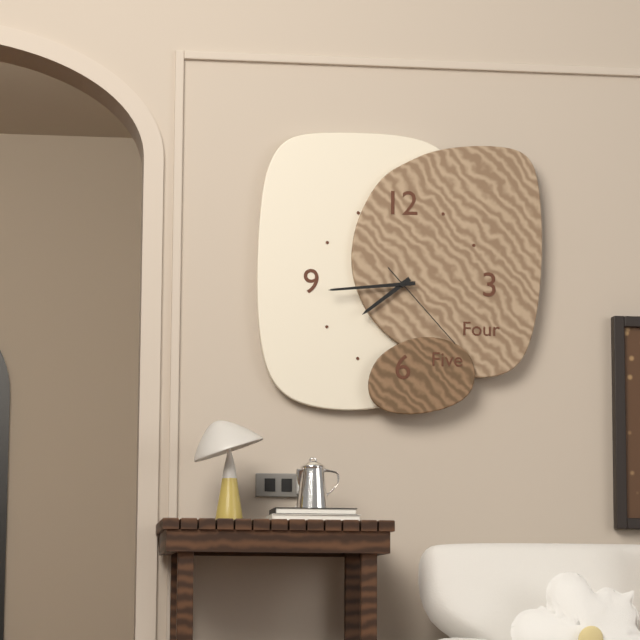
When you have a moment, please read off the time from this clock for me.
7:44:23
